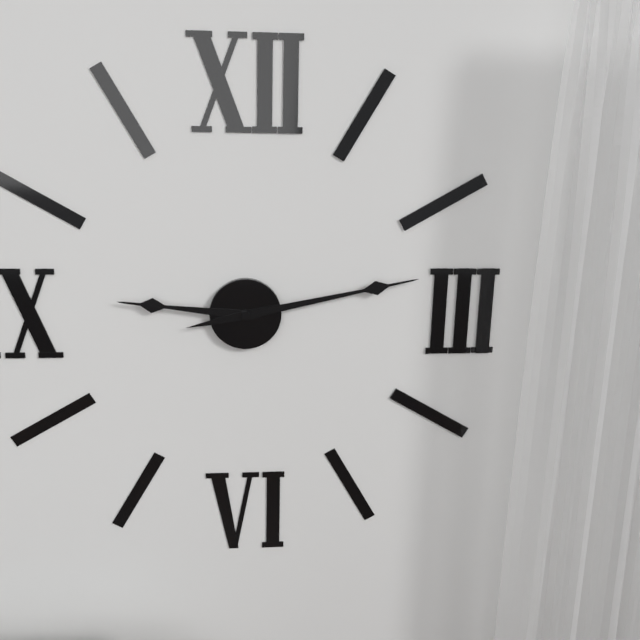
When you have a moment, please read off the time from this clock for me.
9:13
